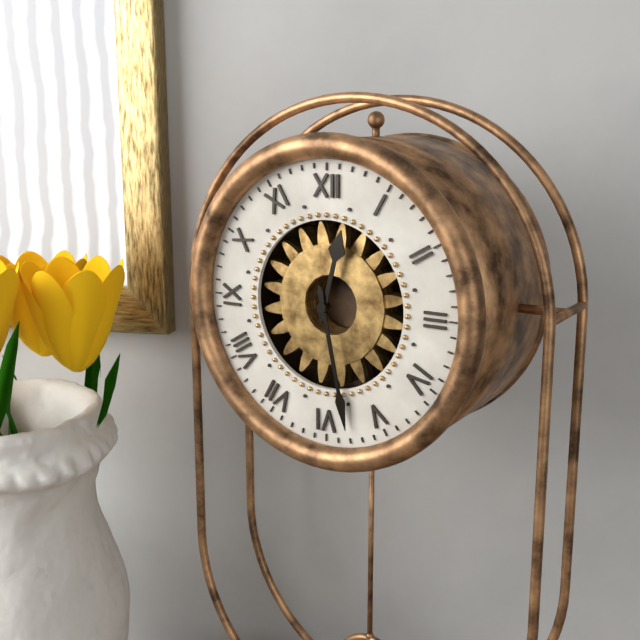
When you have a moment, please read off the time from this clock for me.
12:28
